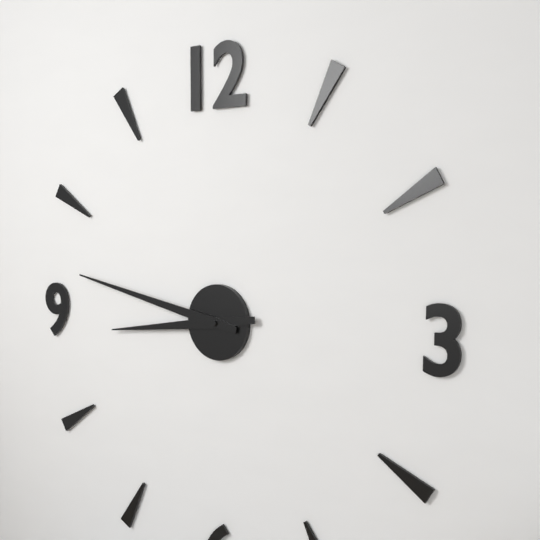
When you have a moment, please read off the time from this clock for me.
8:47
